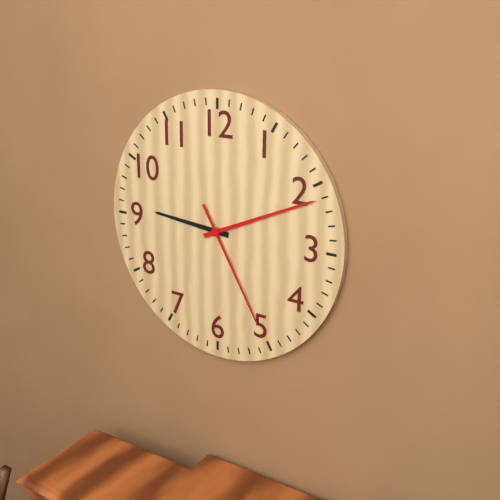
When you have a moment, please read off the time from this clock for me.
9:11:25
